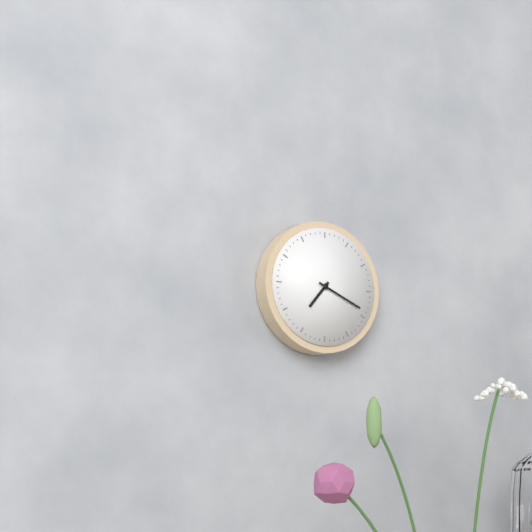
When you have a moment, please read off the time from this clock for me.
7:19
